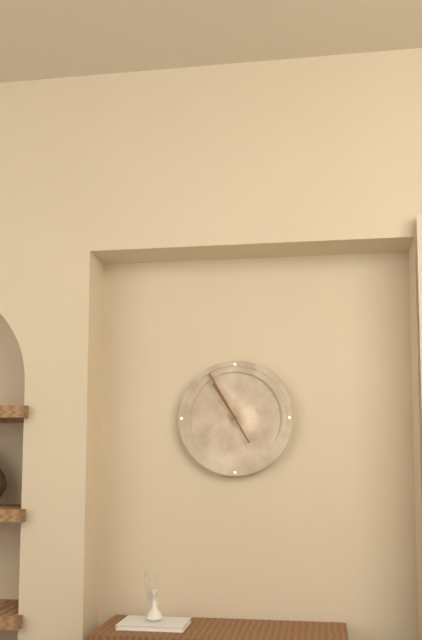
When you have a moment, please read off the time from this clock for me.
10:55
